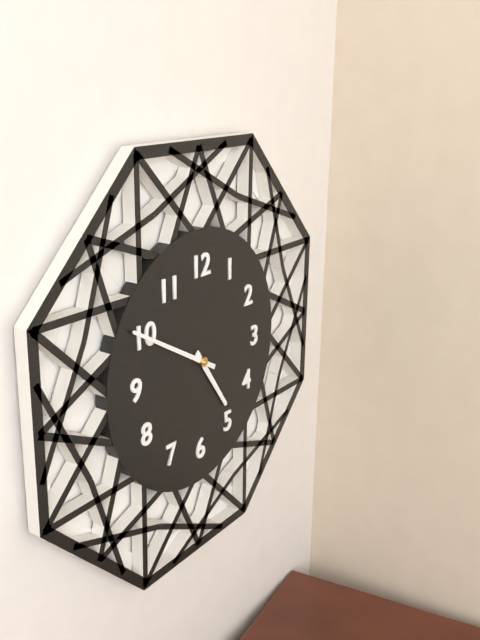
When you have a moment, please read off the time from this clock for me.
4:50
